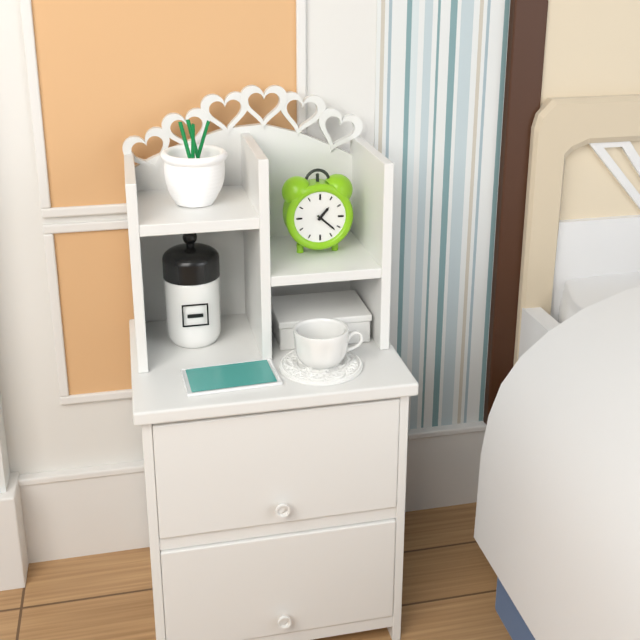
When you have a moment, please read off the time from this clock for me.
1:22
